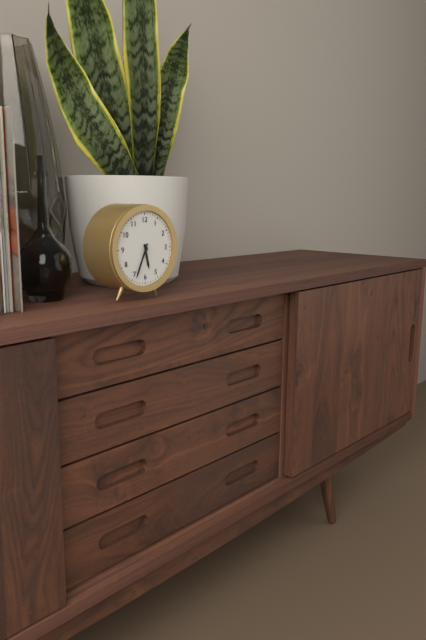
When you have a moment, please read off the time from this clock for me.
5:34
